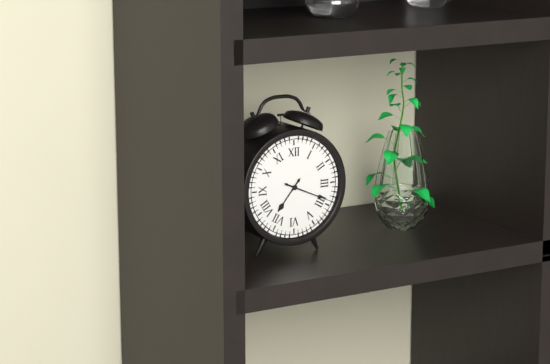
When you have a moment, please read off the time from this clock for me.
7:19
